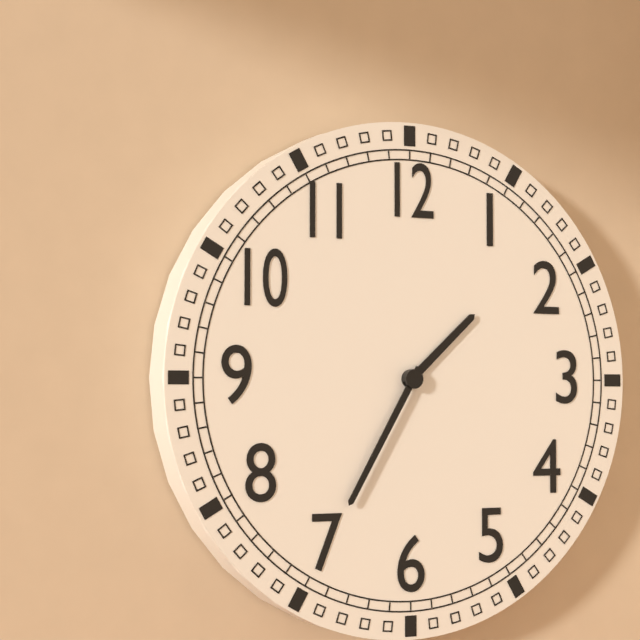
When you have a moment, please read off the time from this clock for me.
1:35
